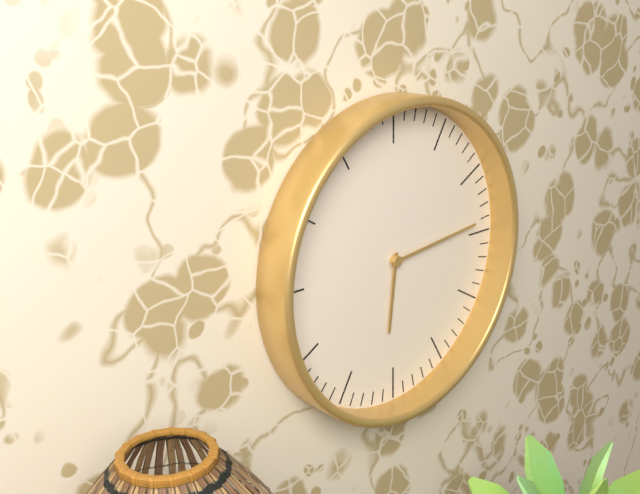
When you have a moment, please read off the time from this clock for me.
6:14
